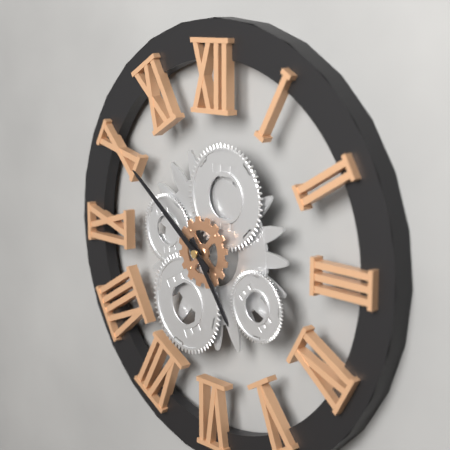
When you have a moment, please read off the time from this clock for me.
4:51
